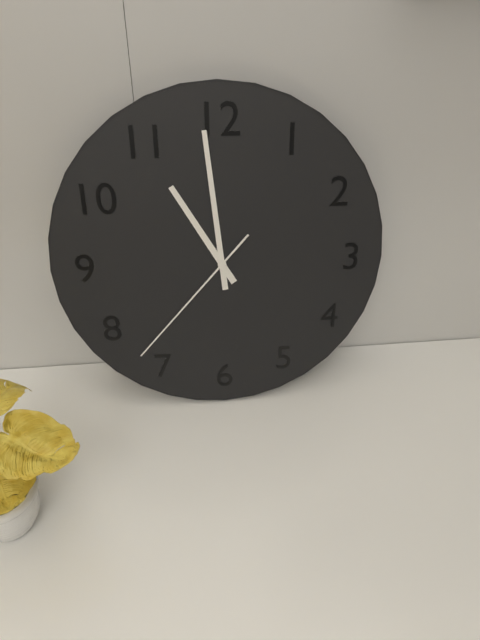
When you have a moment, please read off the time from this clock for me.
10:59:37
